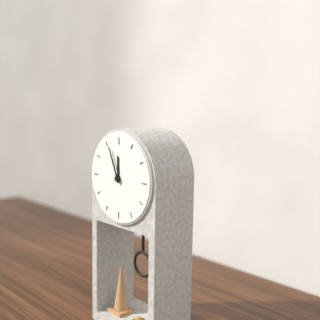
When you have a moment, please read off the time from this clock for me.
11:56
